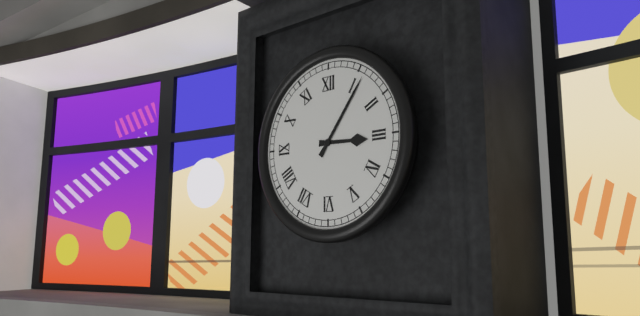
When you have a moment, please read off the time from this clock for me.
3:06
